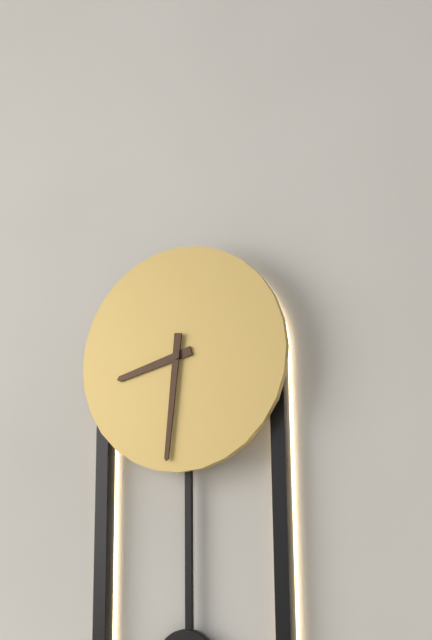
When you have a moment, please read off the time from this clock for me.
8:31
